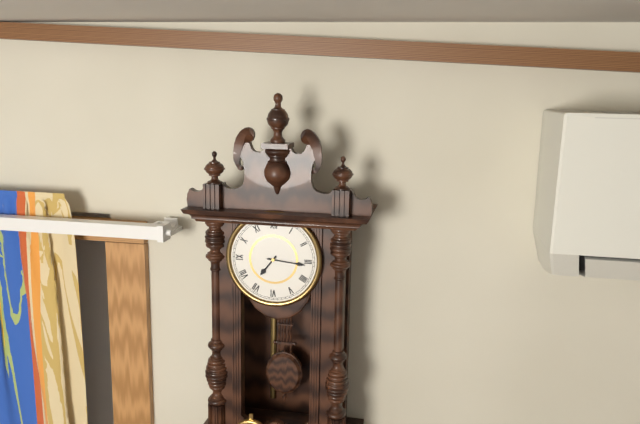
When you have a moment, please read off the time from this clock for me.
7:16
